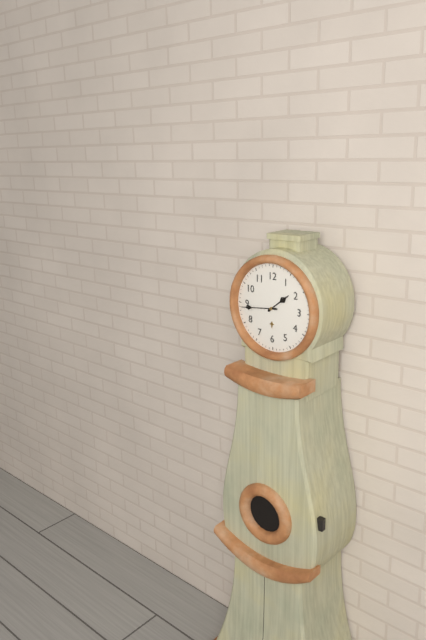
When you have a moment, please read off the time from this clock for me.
1:44
